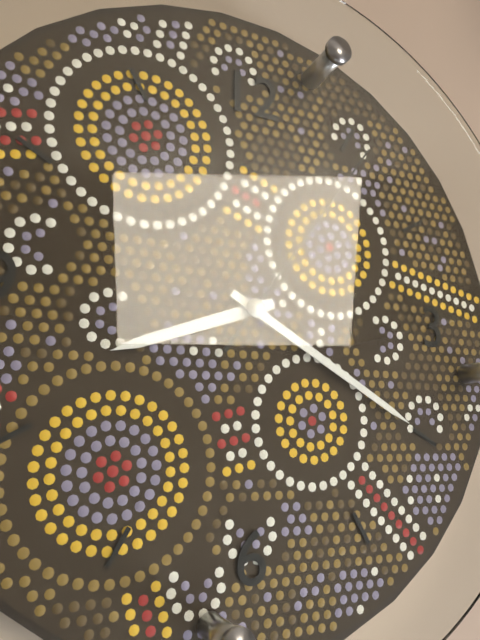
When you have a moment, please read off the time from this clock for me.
8:20:06
